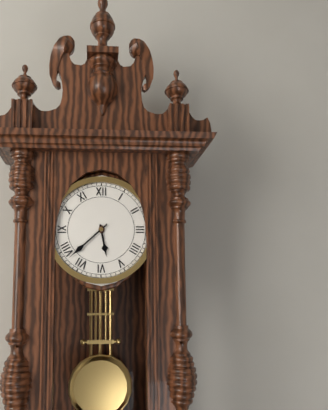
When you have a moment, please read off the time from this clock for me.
5:38
